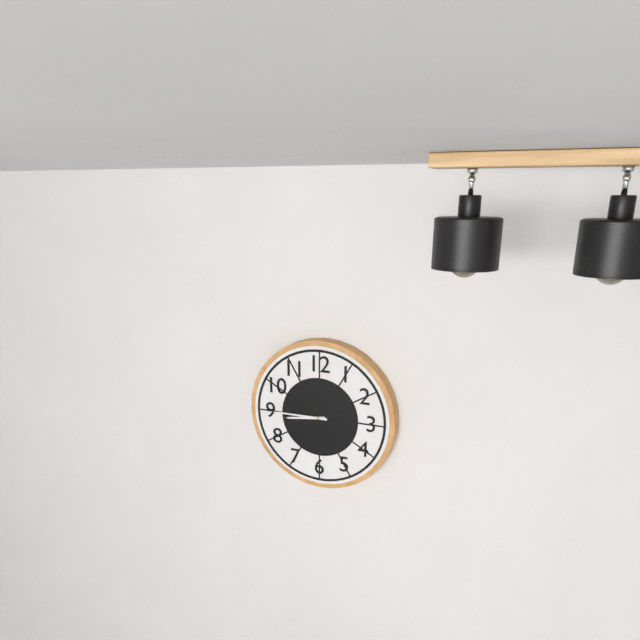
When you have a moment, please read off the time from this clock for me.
8:45
